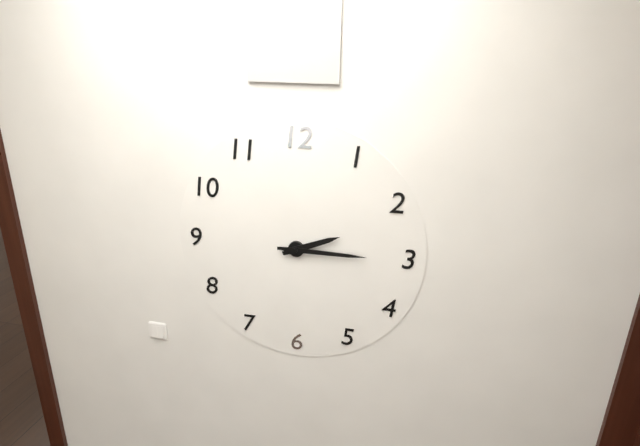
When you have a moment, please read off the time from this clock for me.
2:15
